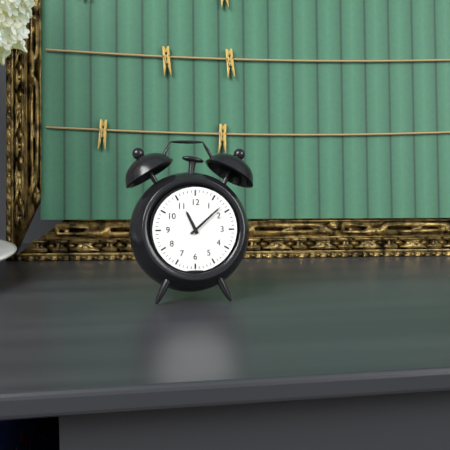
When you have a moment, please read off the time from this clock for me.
11:08
